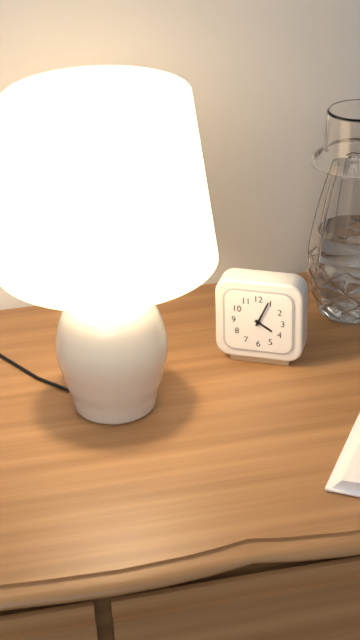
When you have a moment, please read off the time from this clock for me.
4:04
